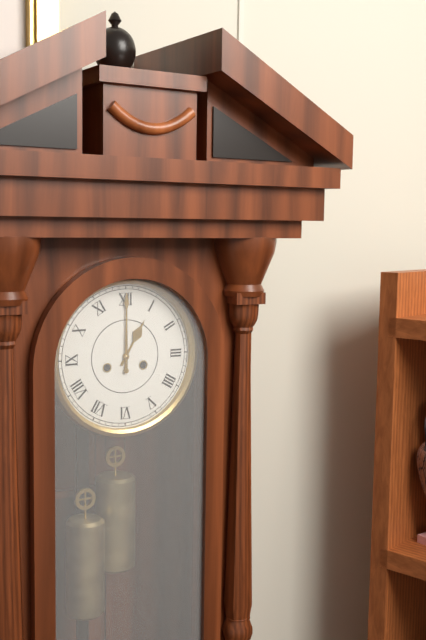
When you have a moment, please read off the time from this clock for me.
1:00
